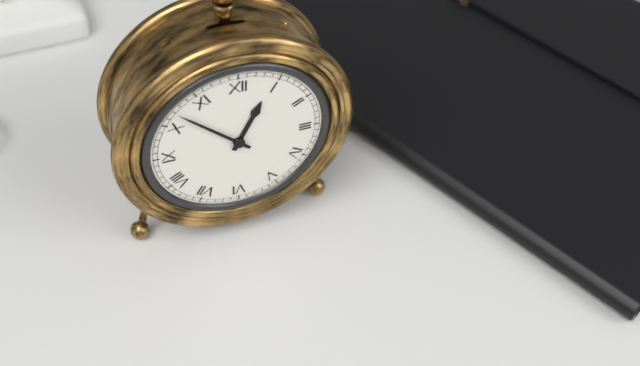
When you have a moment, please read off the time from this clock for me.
12:52
